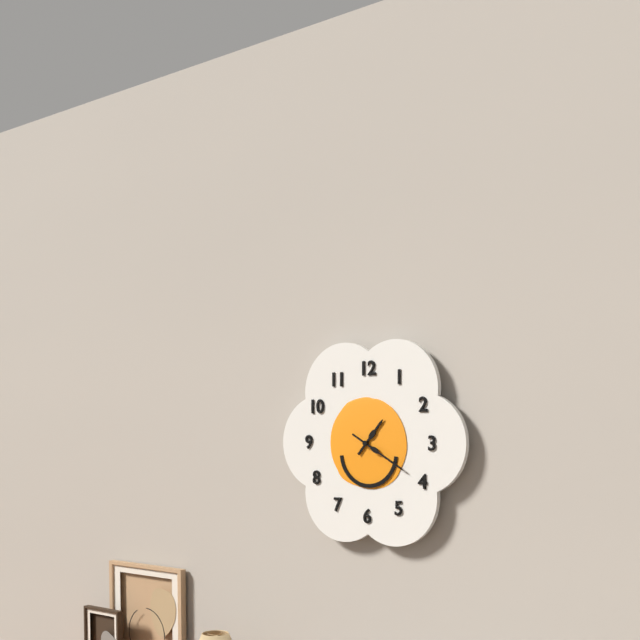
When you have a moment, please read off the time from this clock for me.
1:20
